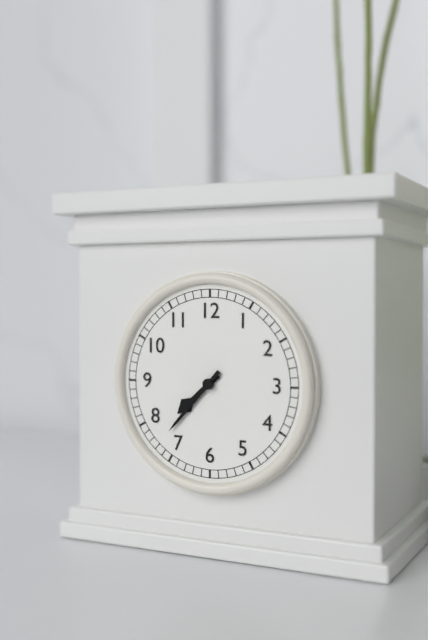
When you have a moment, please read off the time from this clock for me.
7:37
